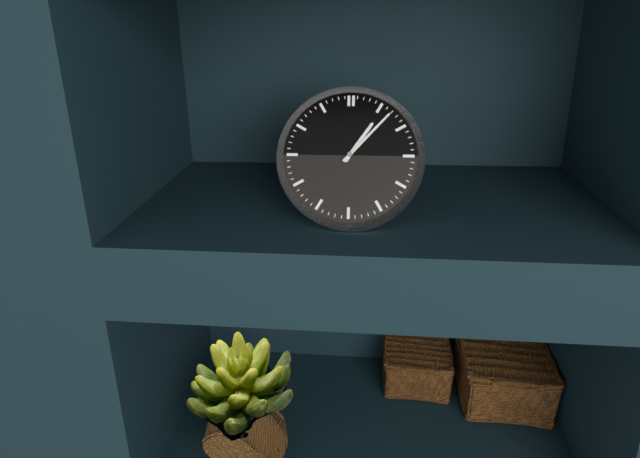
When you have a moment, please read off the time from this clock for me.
1:07
